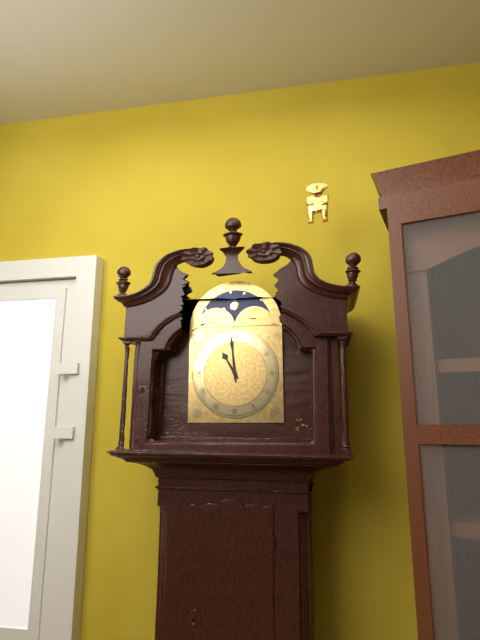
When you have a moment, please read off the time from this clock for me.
10:59
